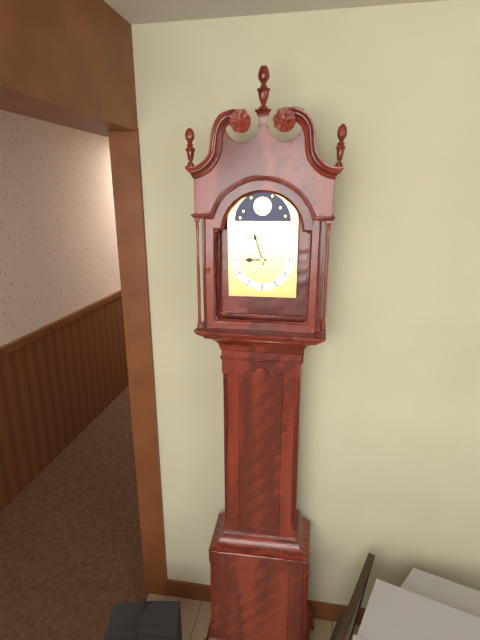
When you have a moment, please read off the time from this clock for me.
8:57
